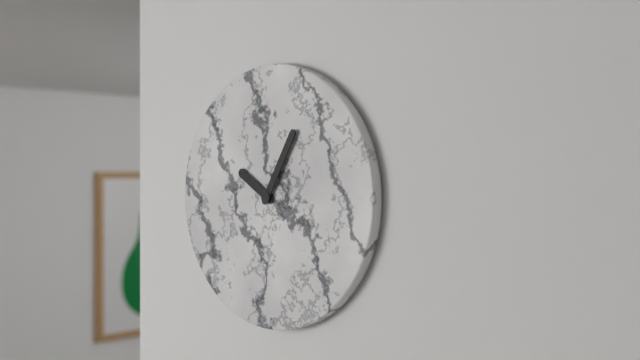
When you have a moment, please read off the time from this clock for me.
10:05
